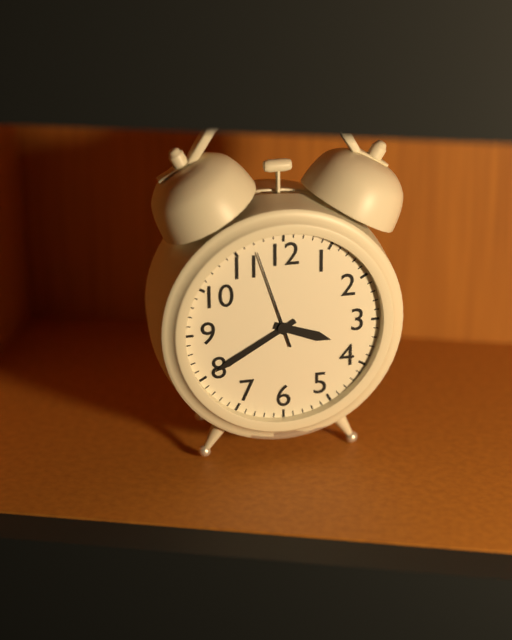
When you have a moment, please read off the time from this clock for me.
3:40:57
